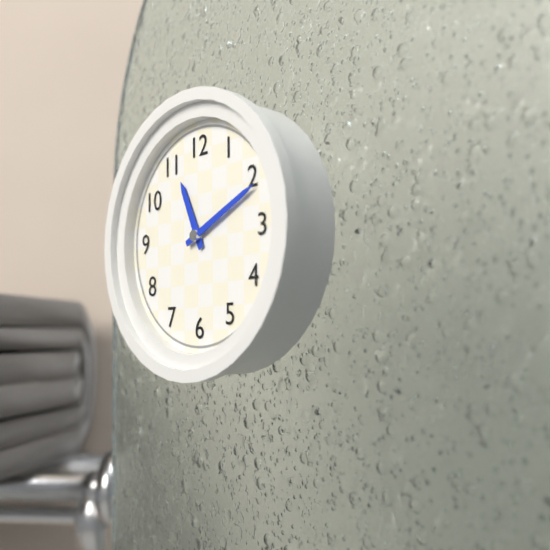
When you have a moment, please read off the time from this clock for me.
11:11
